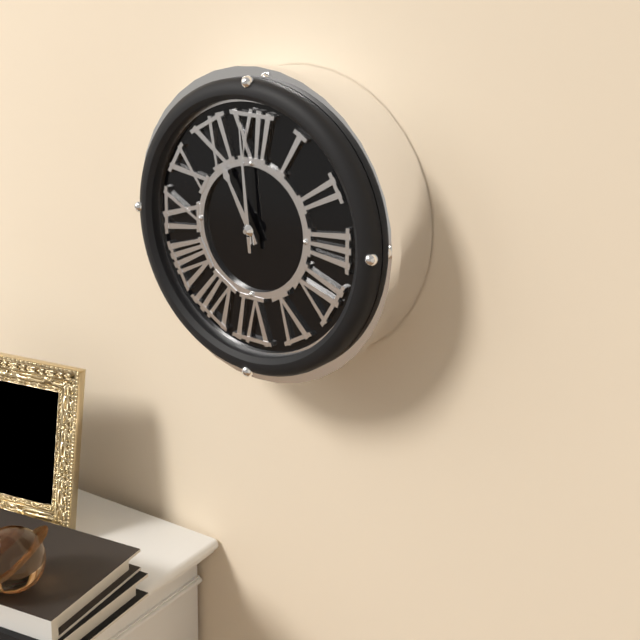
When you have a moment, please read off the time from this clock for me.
10:59
